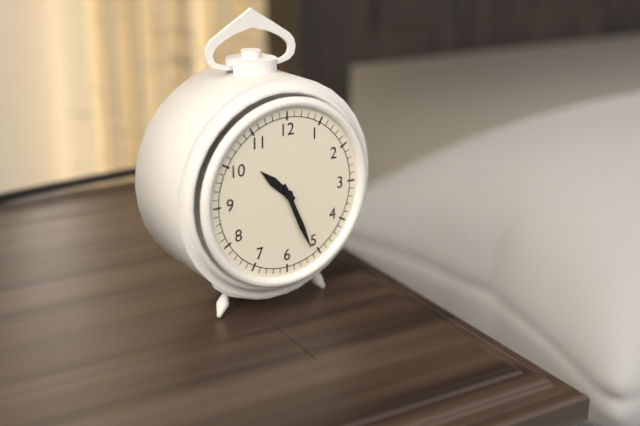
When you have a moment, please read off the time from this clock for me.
10:26
